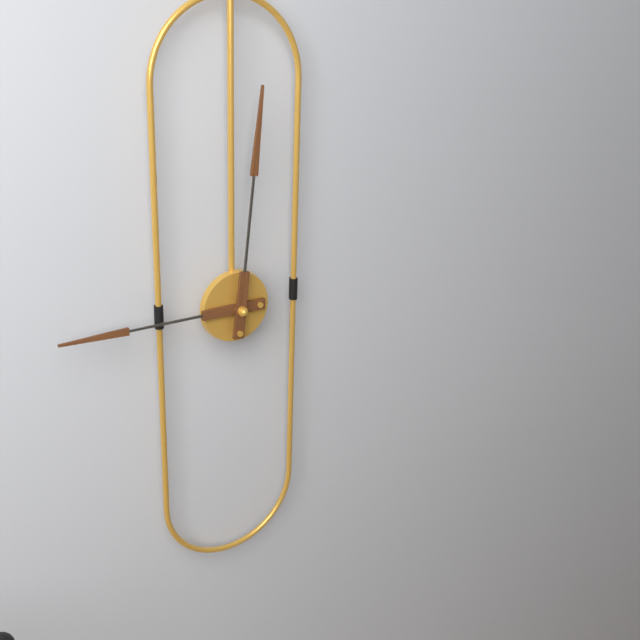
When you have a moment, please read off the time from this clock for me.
9:01
